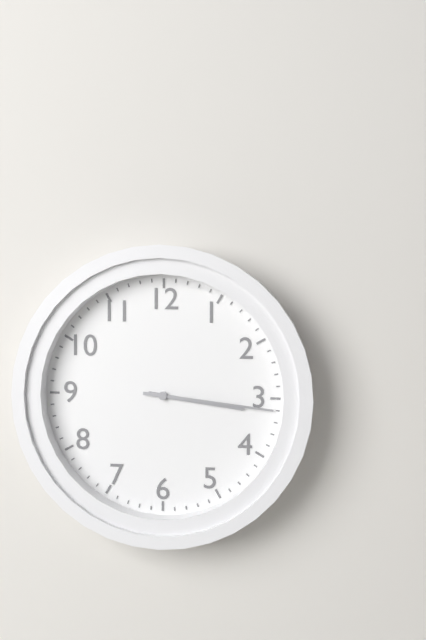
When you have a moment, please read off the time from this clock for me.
3:16
